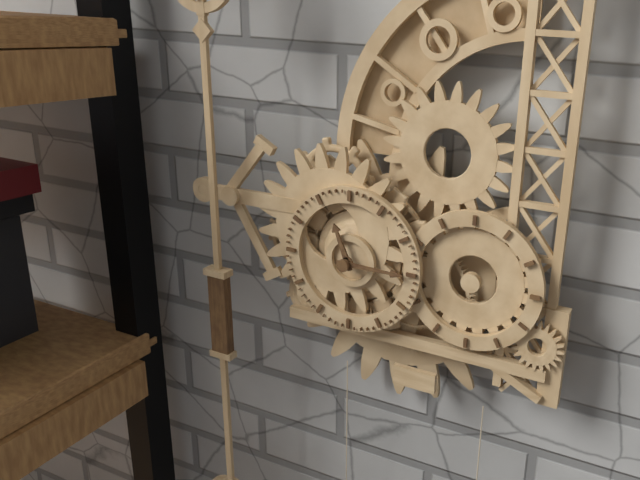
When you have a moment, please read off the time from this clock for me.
11:15
